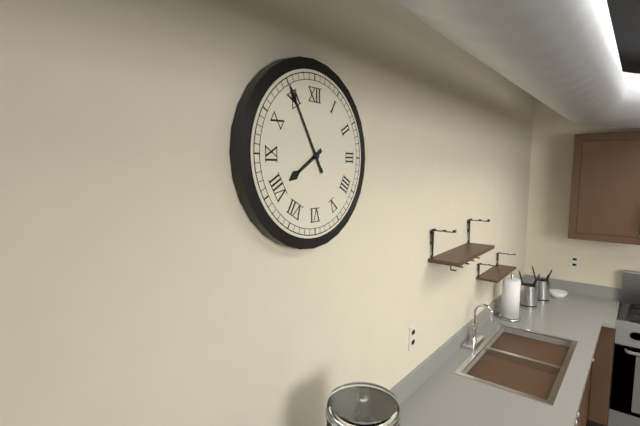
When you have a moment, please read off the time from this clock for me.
7:55
